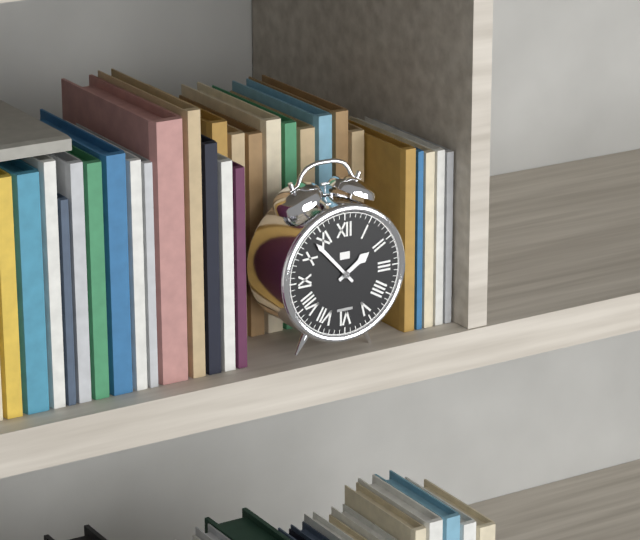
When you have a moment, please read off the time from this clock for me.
1:53
